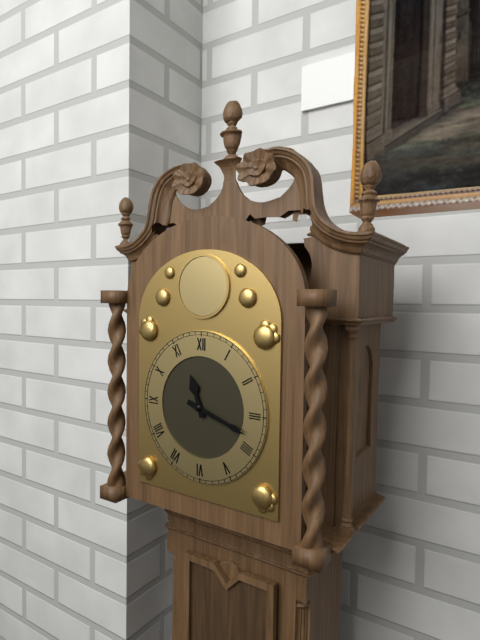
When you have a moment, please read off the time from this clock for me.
11:18
